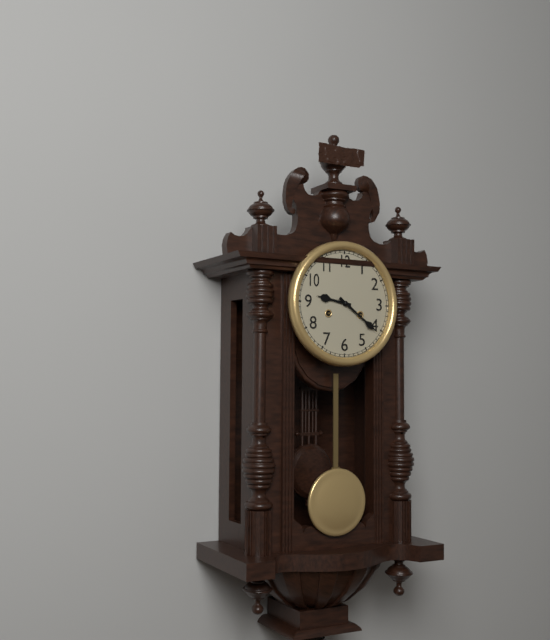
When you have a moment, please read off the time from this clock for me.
9:21
